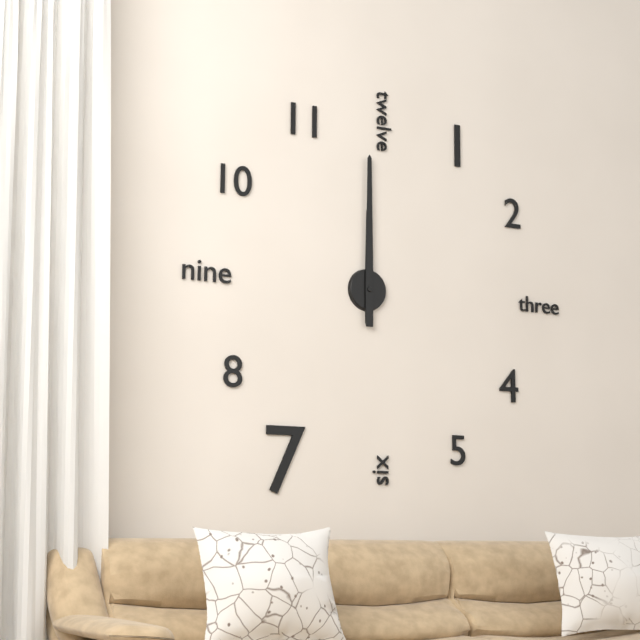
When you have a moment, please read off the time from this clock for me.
12:00
